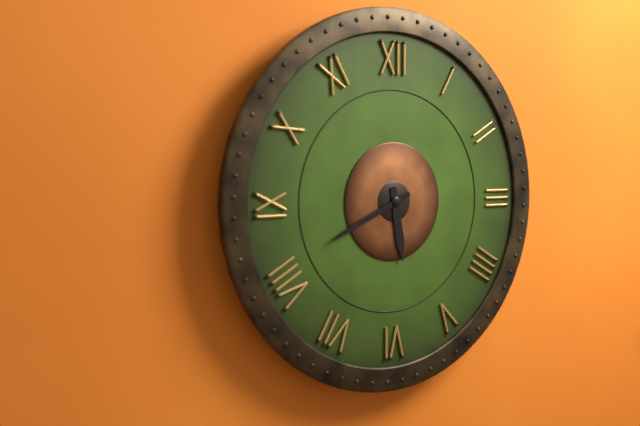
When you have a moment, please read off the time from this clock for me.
5:41
